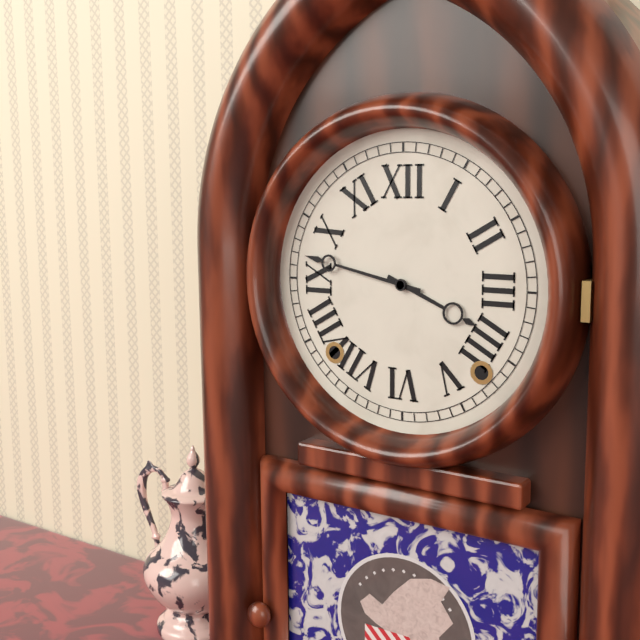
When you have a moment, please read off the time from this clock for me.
3:47
